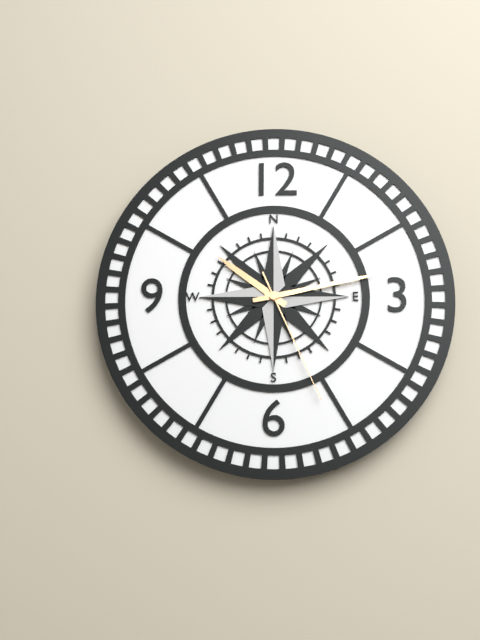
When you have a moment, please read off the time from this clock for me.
10:13:26
